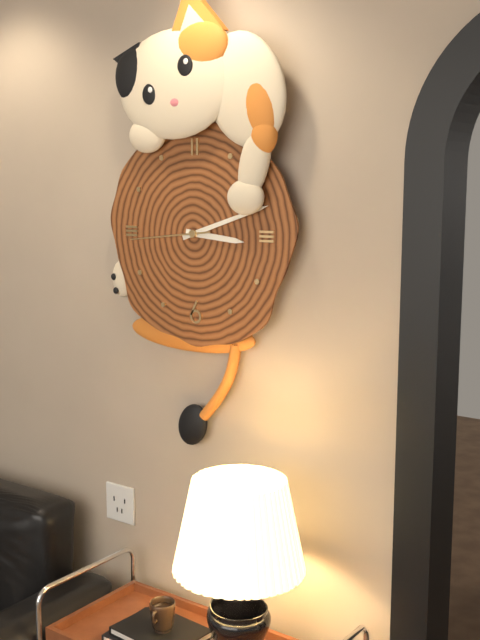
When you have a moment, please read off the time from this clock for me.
3:12:44
